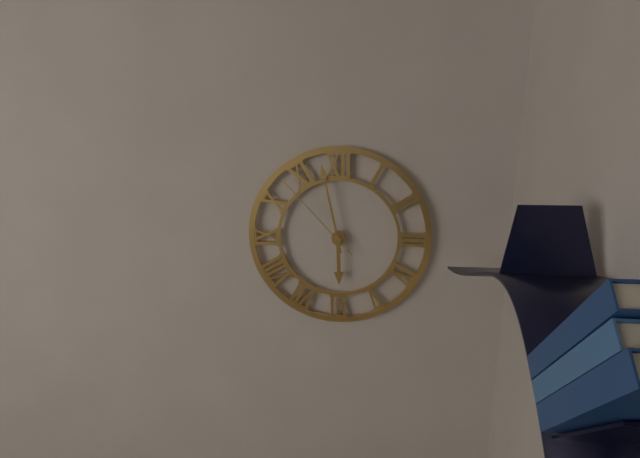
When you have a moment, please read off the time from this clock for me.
5:58:53
